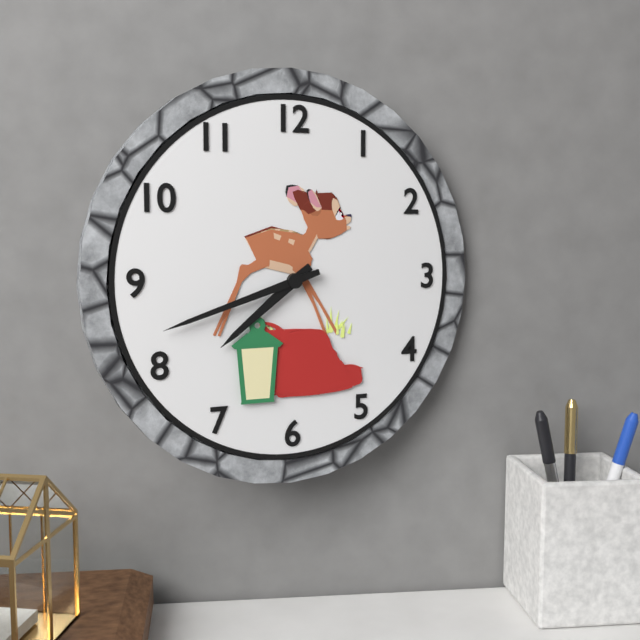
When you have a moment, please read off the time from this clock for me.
7:42
